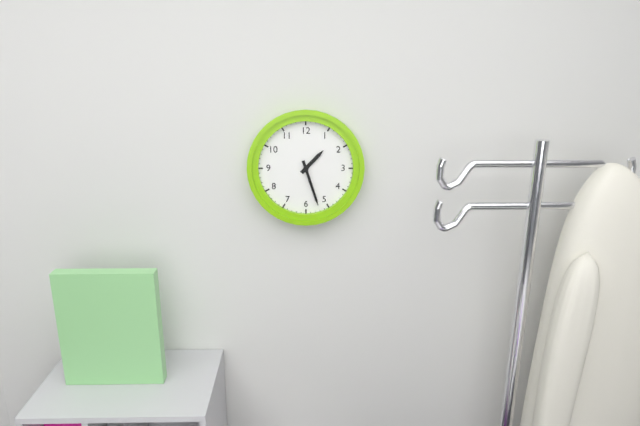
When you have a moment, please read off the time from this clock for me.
1:27
